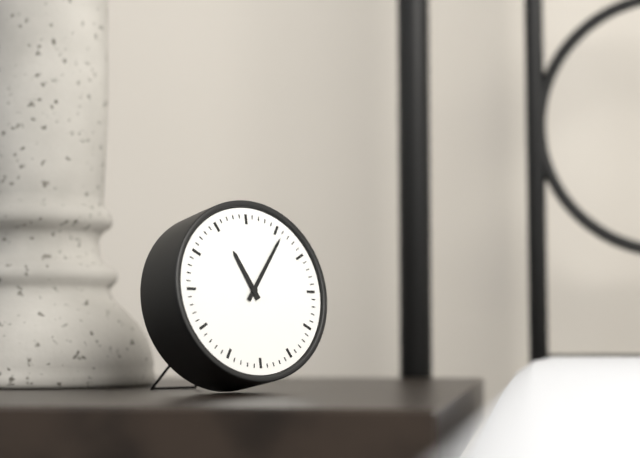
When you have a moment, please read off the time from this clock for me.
11:06
